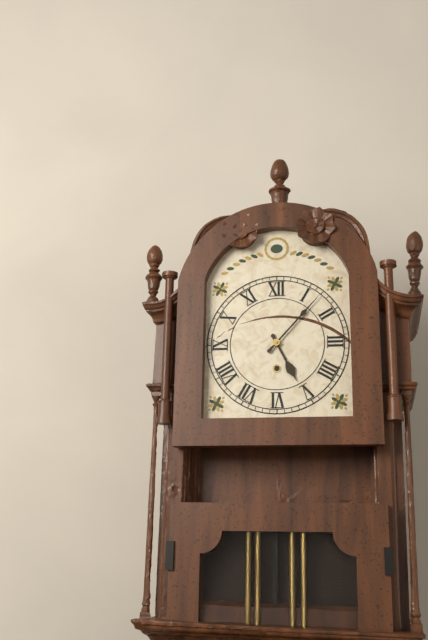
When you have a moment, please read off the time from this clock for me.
5:07
